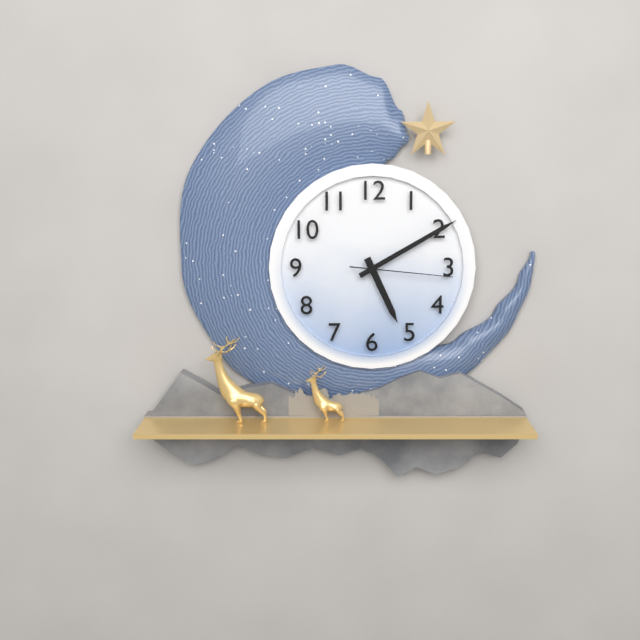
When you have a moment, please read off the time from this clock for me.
5:10:16
